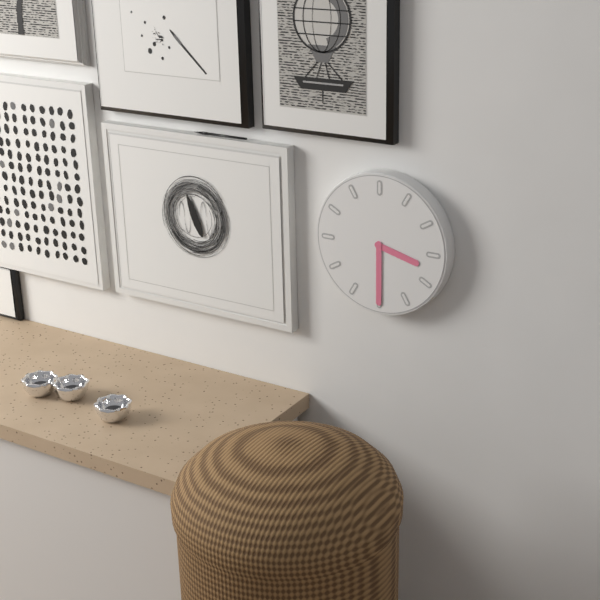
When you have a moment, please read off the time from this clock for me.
3:30
